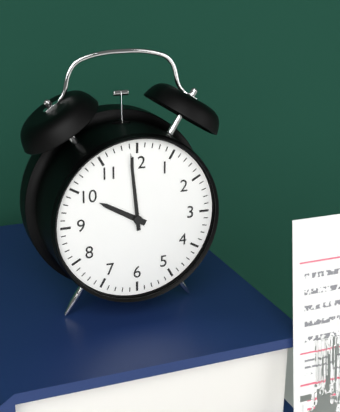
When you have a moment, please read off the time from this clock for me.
9:59
